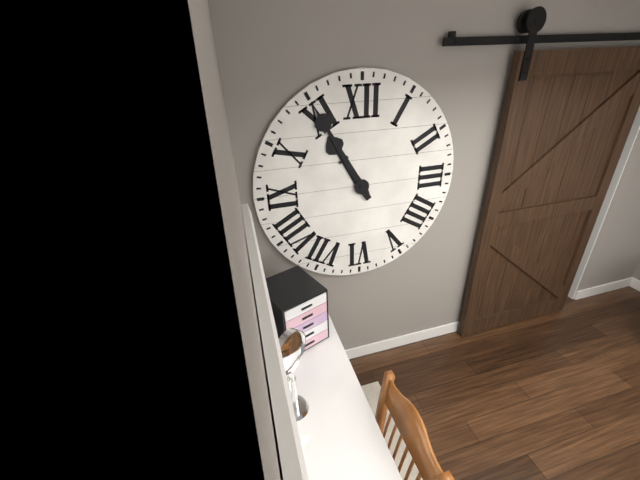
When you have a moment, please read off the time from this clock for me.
10:55
